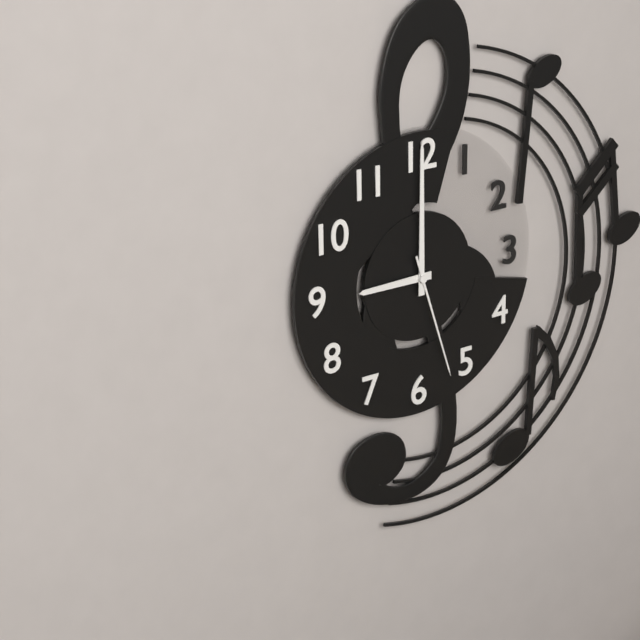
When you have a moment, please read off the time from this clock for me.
9:00:27
